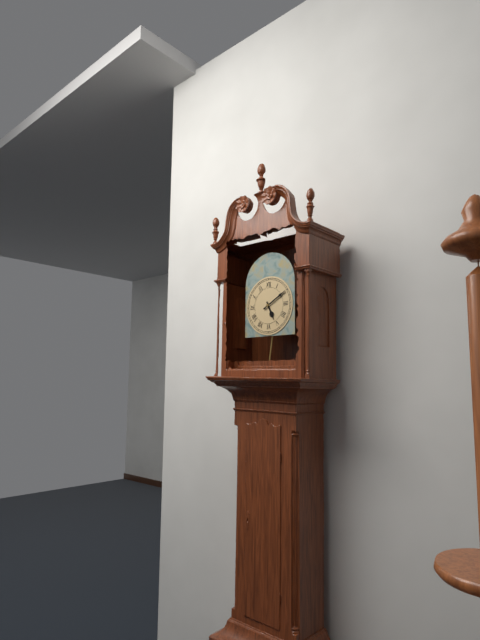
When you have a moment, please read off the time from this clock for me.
5:10
